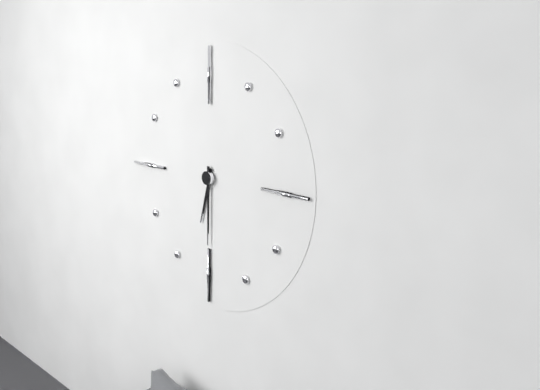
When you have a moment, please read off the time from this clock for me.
6:30
